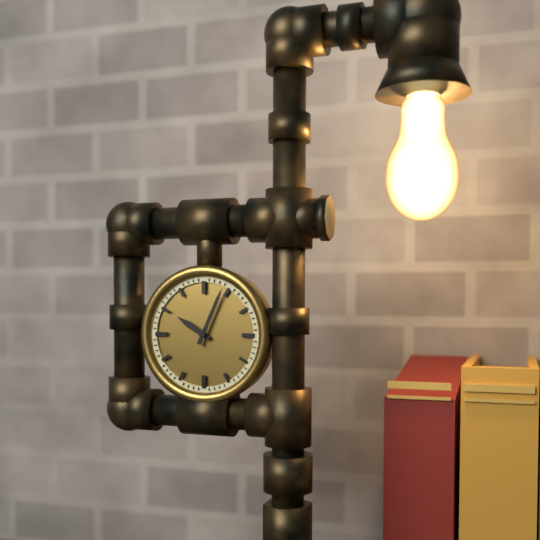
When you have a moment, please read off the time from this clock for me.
10:04
